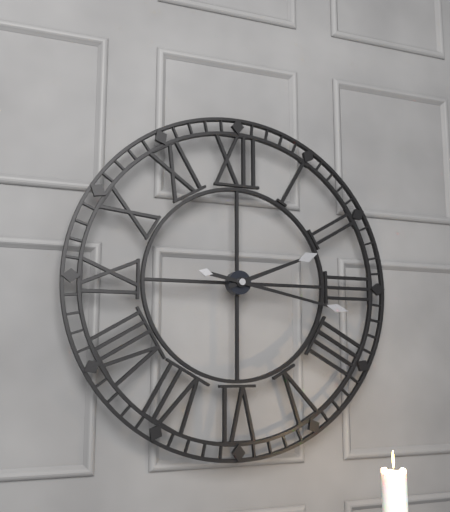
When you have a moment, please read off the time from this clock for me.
2:17
